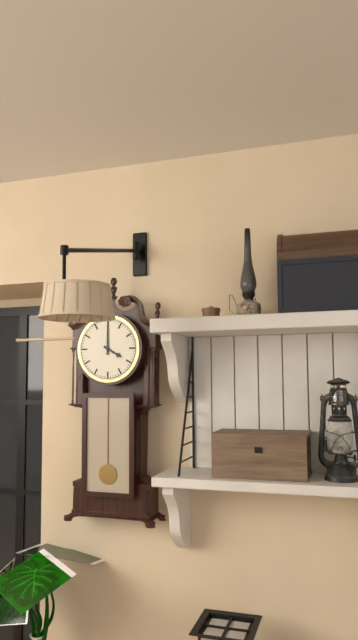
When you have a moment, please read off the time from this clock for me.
4:00
